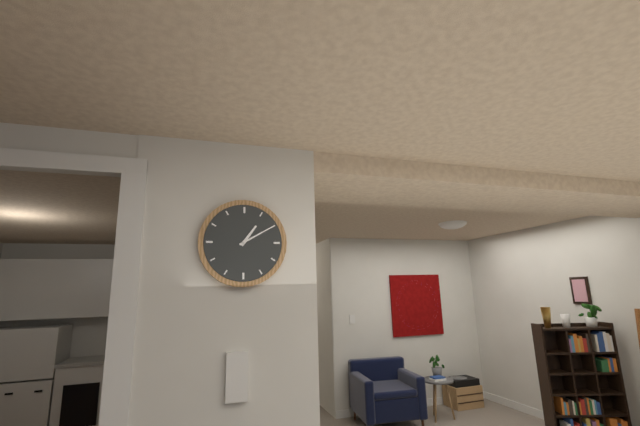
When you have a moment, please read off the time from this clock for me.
1:10
